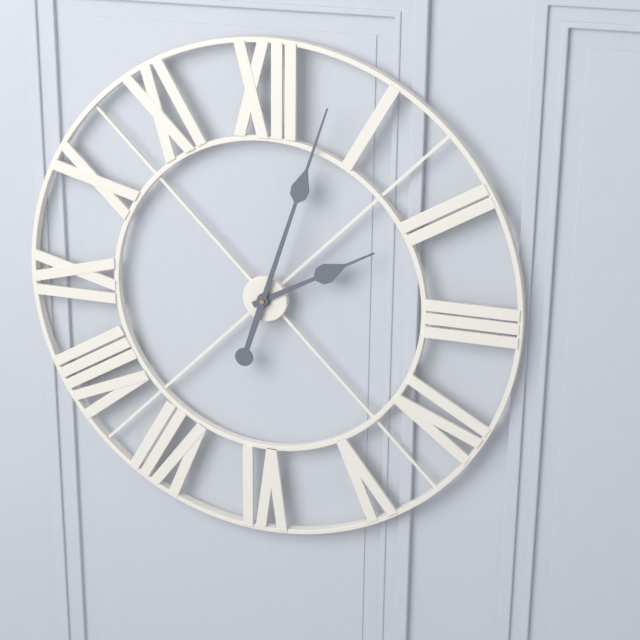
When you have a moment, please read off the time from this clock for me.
2:03
